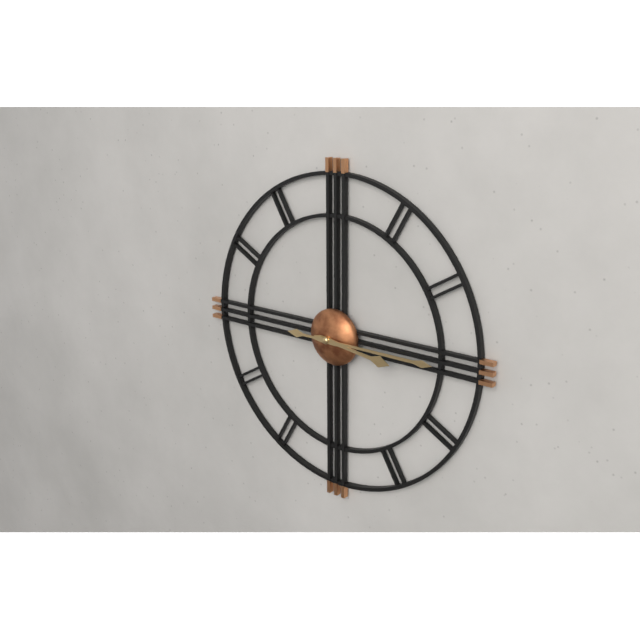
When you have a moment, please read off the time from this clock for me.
3:15
